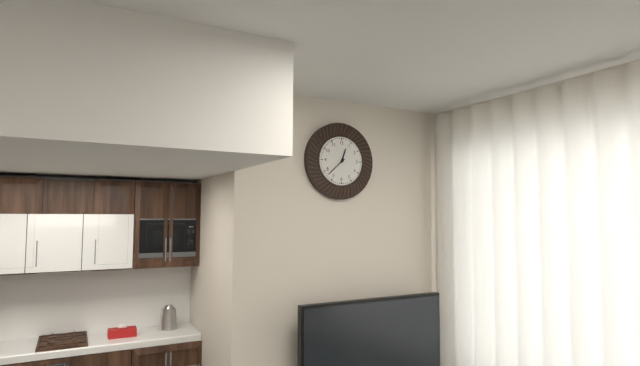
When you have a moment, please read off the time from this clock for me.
12:38
